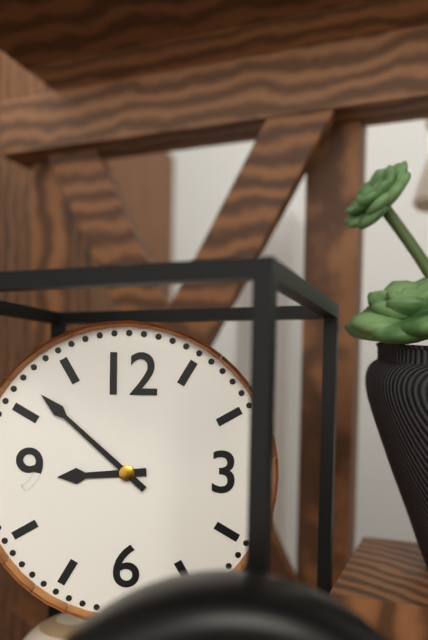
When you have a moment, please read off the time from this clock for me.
8:52
